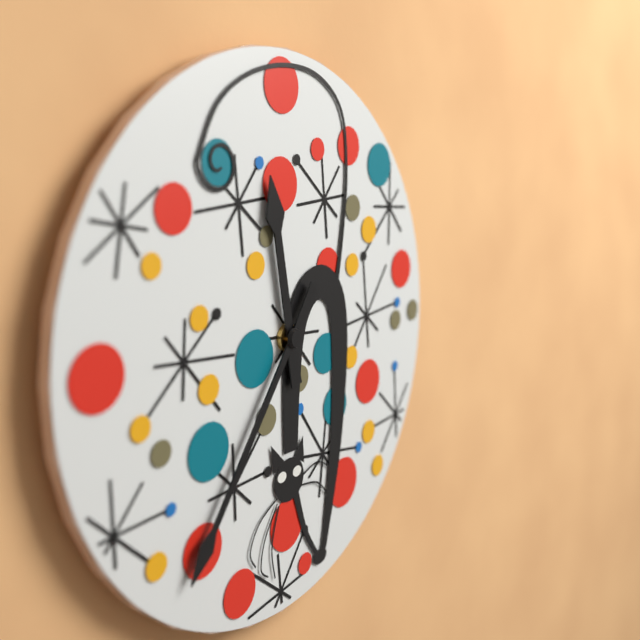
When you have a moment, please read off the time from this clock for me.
11:36
